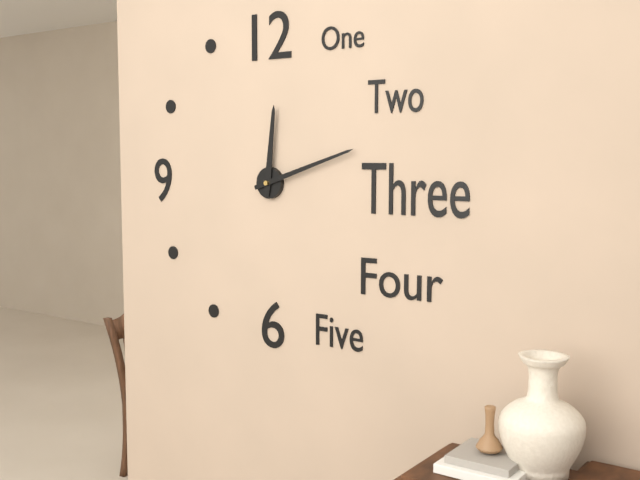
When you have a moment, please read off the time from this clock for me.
12:12
